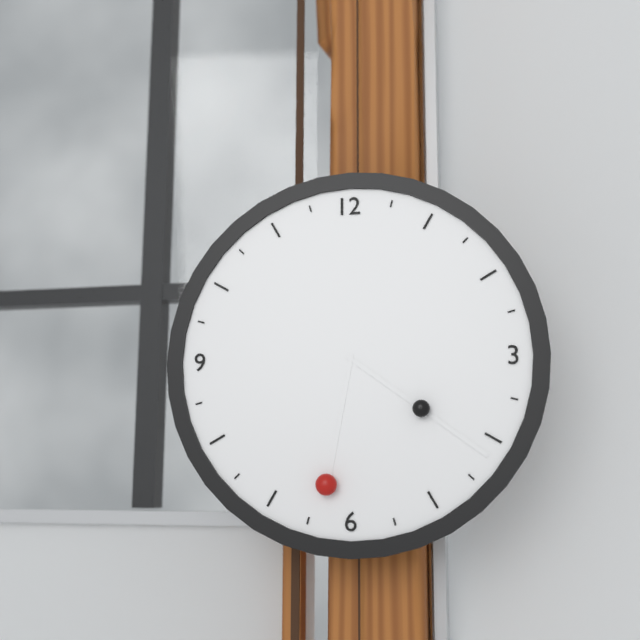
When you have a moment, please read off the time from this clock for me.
6:21
